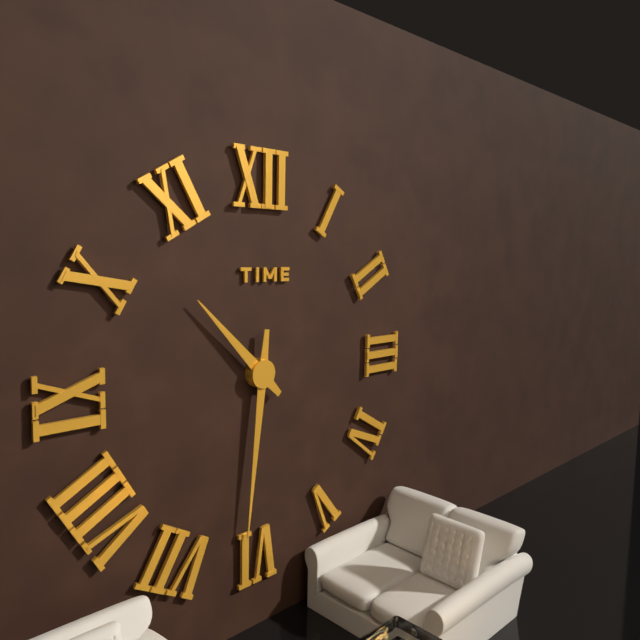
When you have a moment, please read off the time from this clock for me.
10:31
